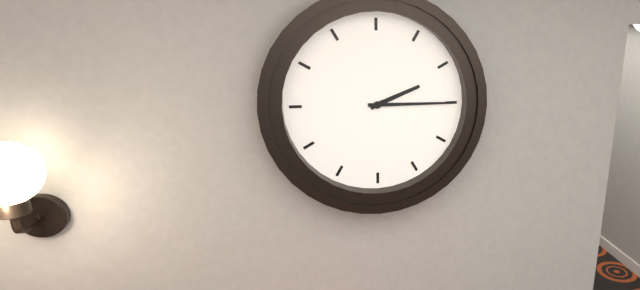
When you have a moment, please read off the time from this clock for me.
2:15
